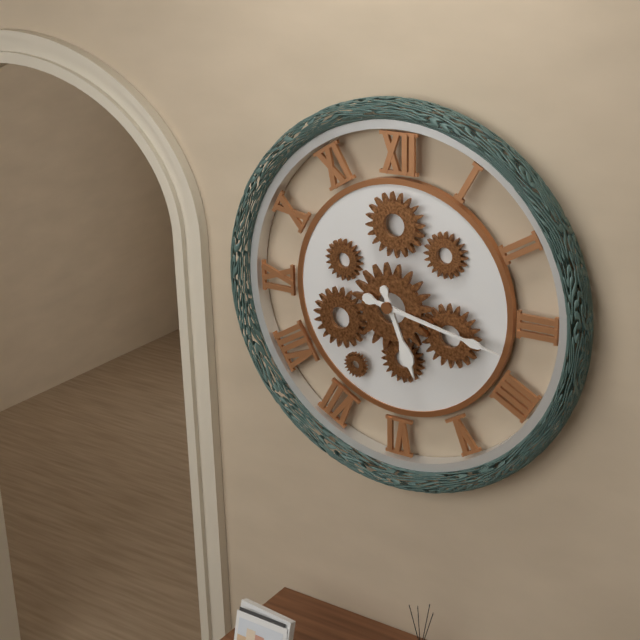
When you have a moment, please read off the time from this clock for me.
5:17
